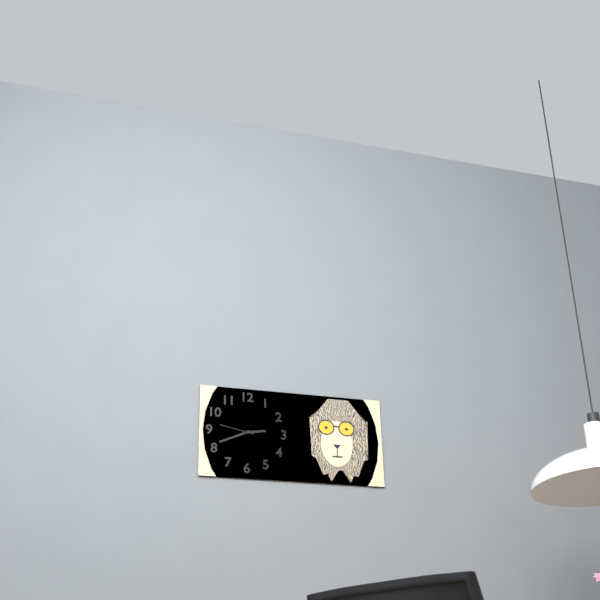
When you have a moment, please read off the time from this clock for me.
2:41
